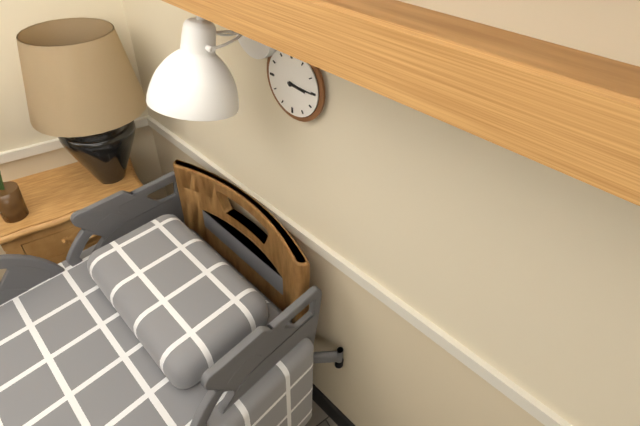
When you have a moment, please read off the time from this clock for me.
3:15
